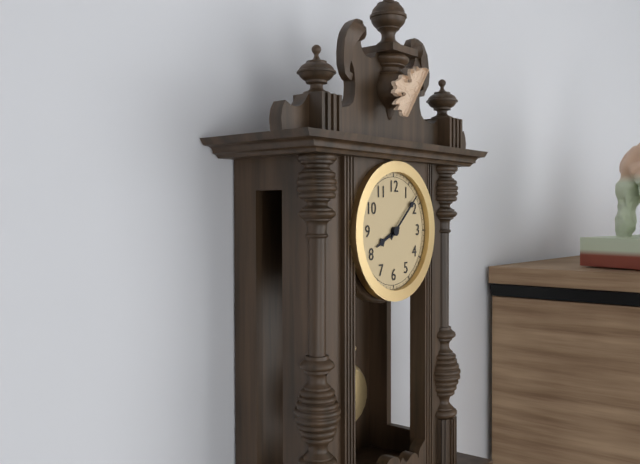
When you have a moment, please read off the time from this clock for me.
8:08
